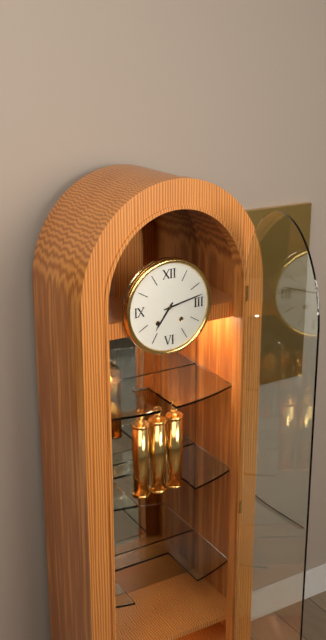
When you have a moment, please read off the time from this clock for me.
7:13
